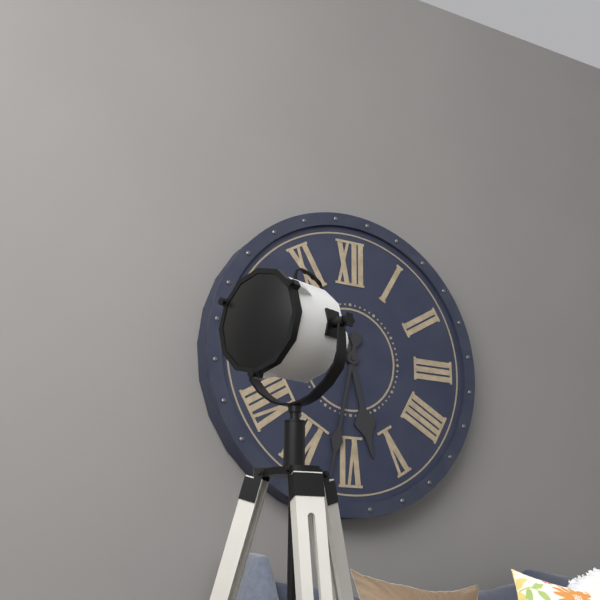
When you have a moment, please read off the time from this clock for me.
5:32
